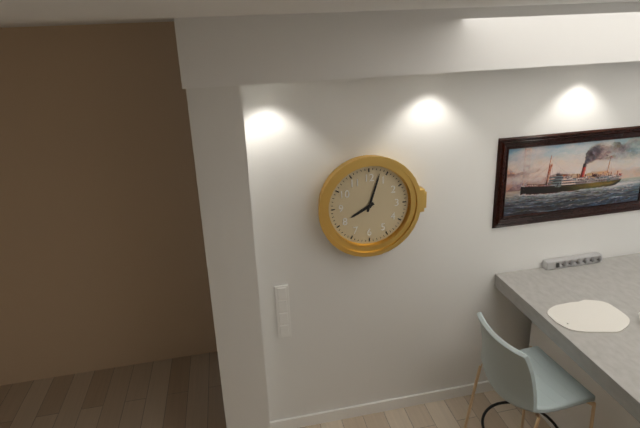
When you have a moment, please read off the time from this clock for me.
8:03
